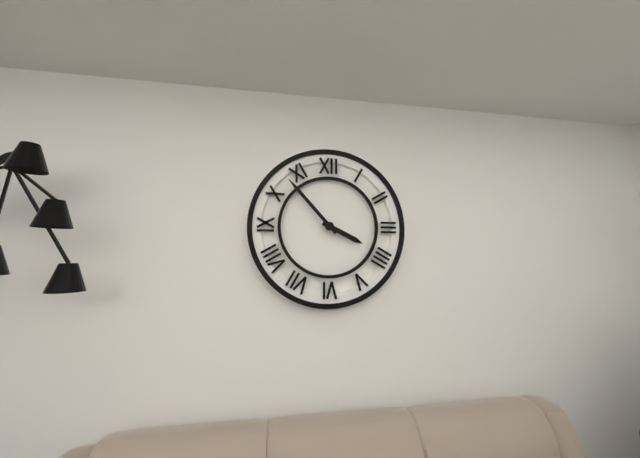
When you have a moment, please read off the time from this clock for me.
3:53
